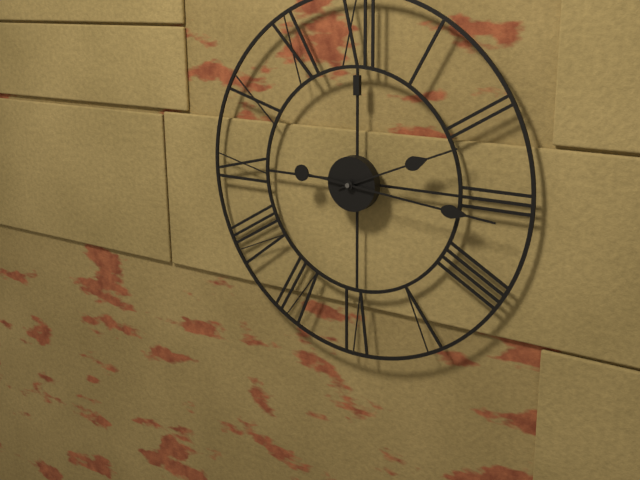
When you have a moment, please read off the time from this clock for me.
2:16
